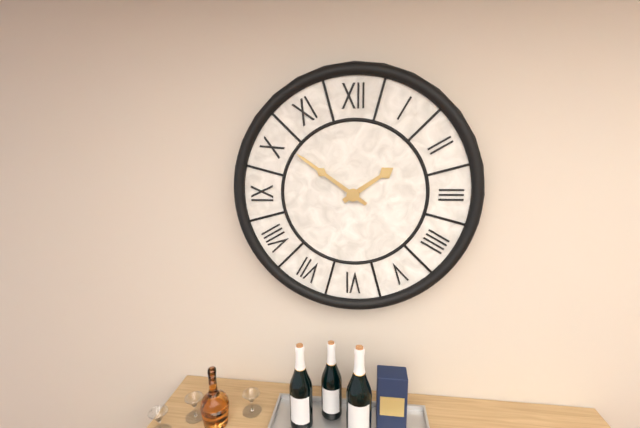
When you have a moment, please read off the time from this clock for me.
1:51
